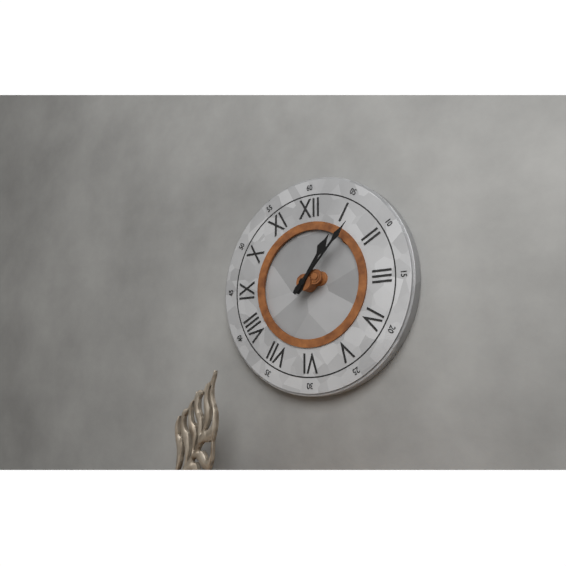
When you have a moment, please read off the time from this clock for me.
1:07
